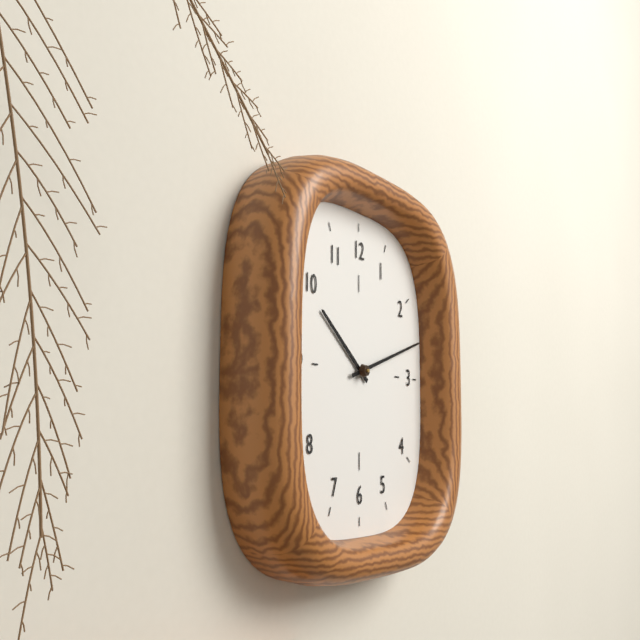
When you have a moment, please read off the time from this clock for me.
10:12
